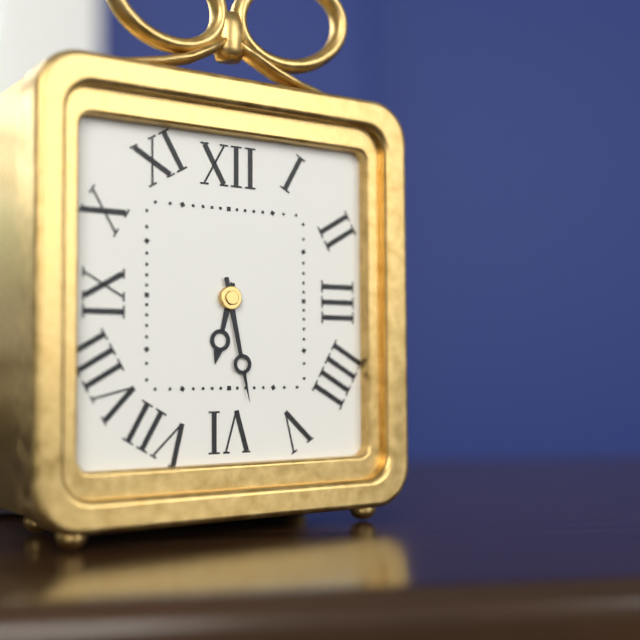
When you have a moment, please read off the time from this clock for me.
6:28
